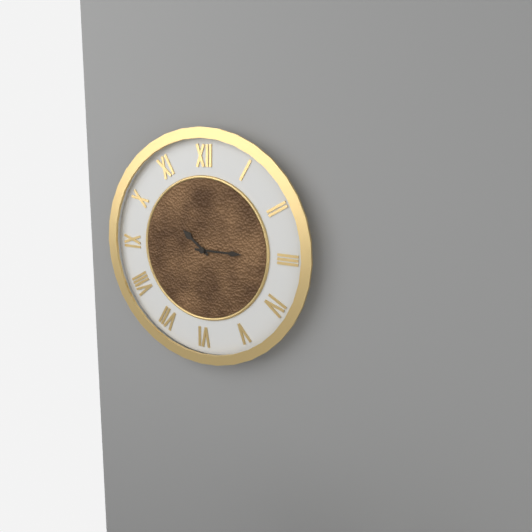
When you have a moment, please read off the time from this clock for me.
10:15
